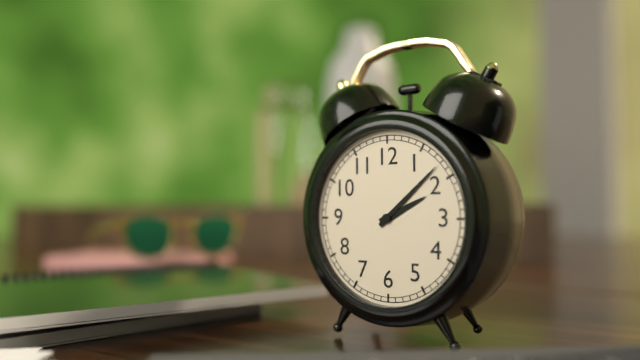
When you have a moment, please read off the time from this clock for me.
2:08
